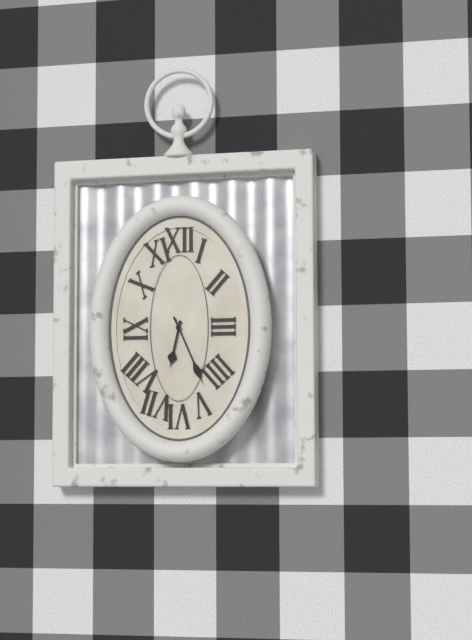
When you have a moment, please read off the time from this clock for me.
6:26
